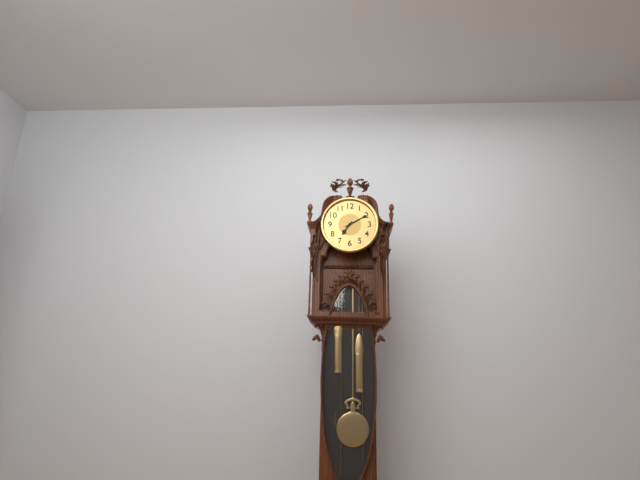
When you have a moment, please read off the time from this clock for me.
7:10
